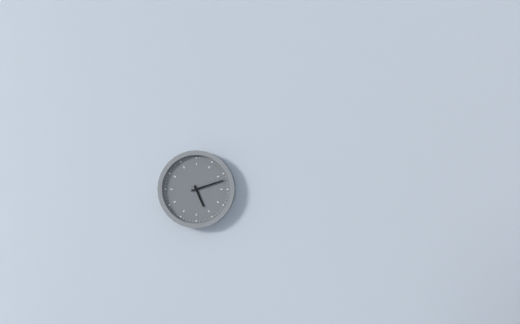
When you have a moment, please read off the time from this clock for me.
5:12
